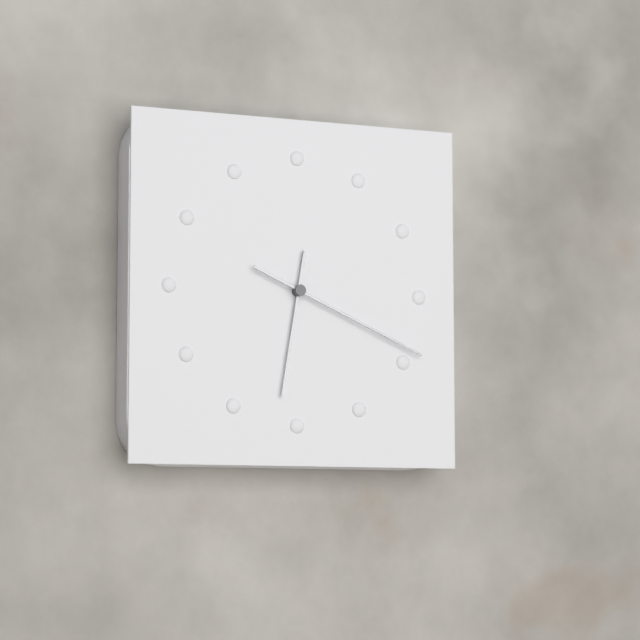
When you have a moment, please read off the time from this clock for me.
6:19
